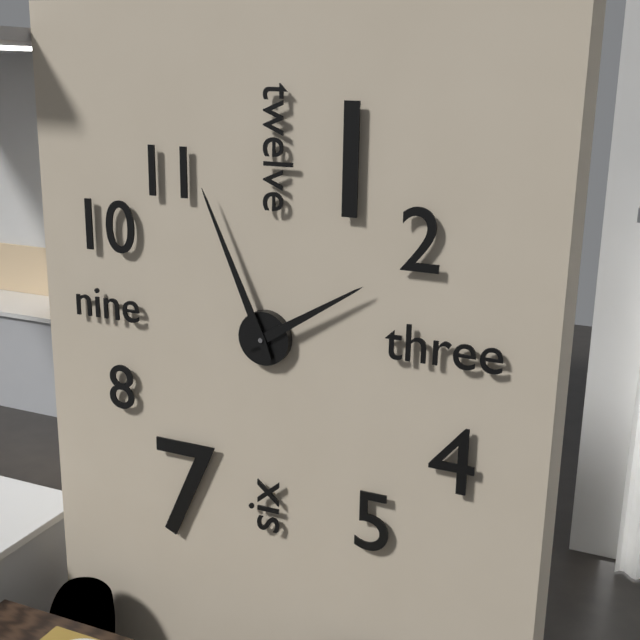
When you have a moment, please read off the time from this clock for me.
1:56
